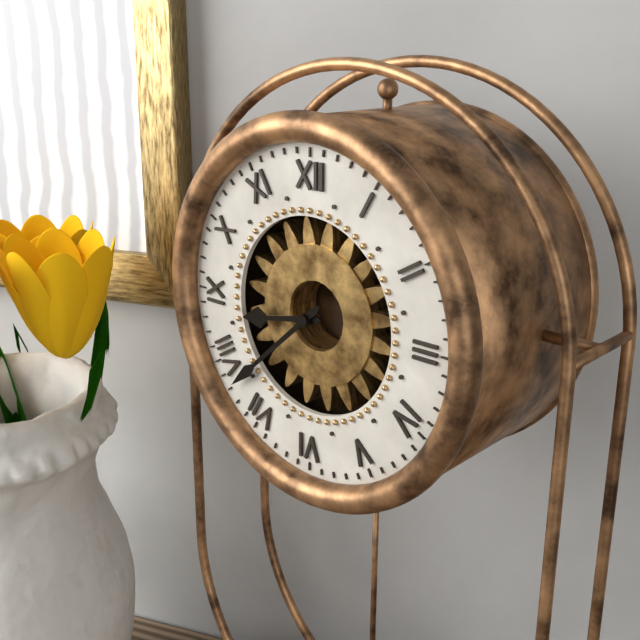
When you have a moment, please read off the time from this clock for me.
8:38
